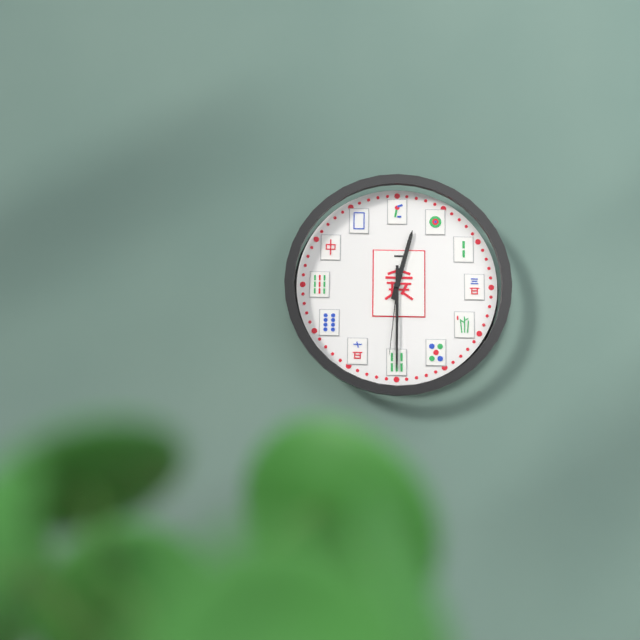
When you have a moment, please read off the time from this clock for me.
12:30:31
